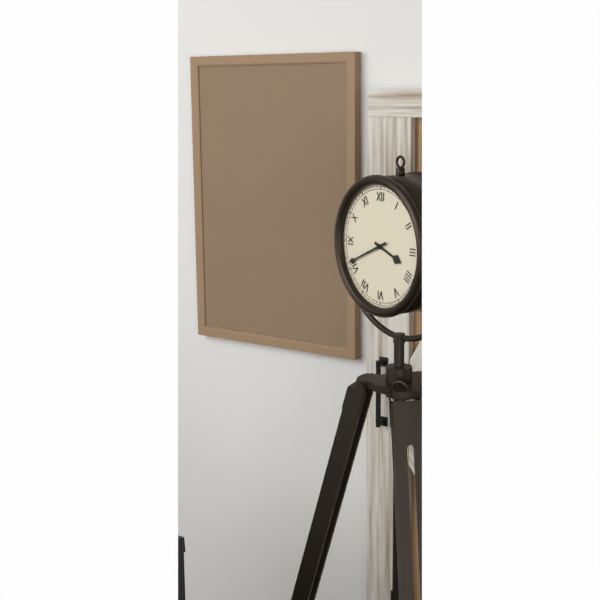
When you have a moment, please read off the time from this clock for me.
3:41
